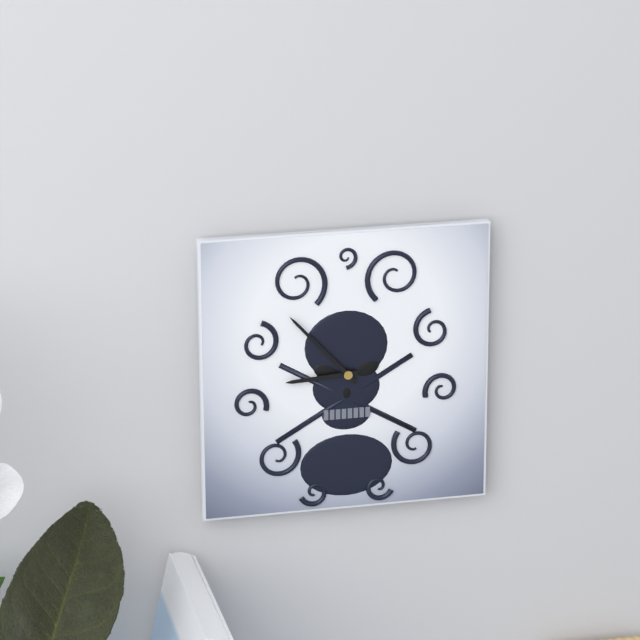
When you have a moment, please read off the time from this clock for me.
8:53
